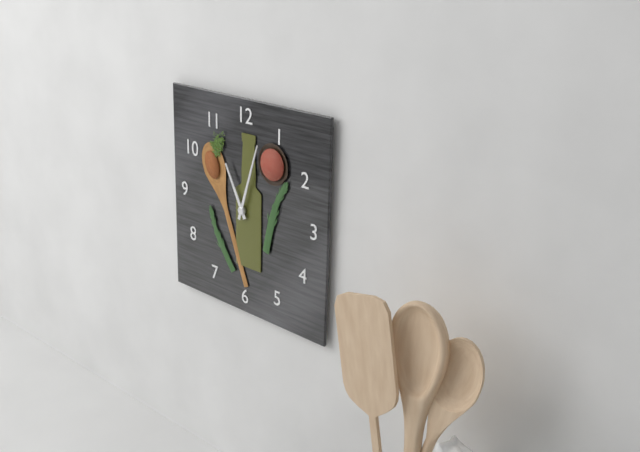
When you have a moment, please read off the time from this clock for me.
11:03
